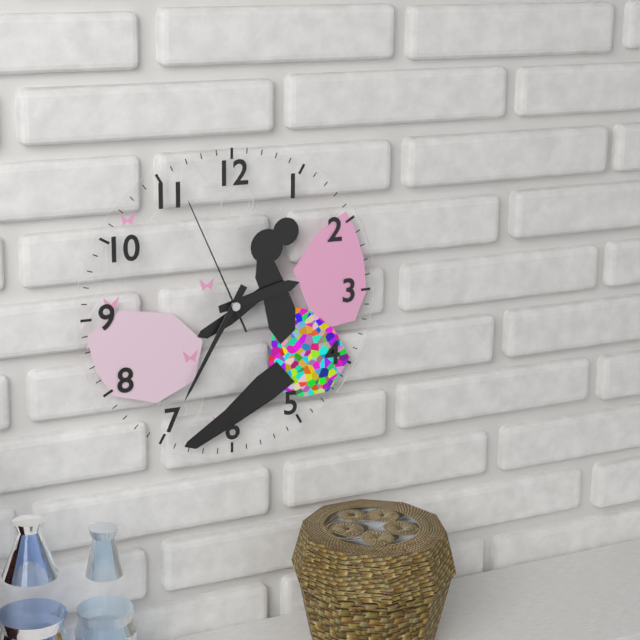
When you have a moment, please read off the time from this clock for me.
2:35:56
